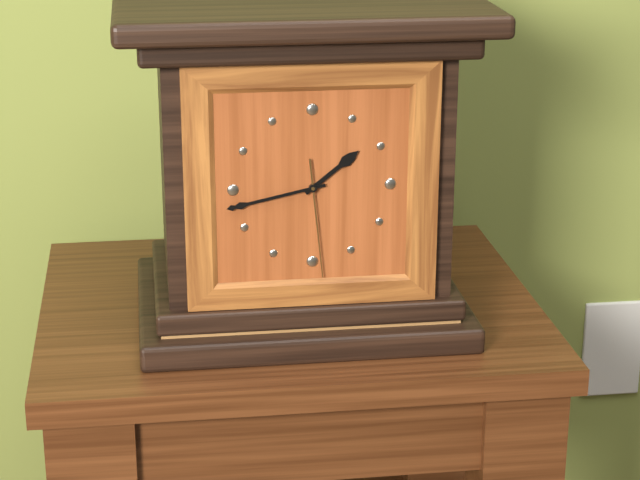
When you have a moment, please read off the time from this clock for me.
1:43:29
